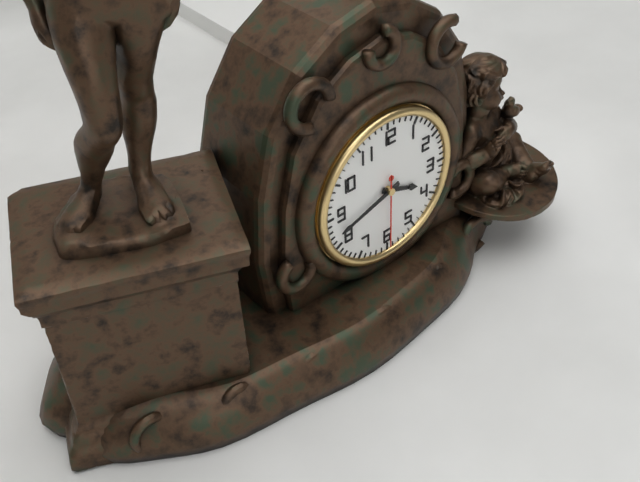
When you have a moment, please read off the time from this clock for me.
3:42:30
